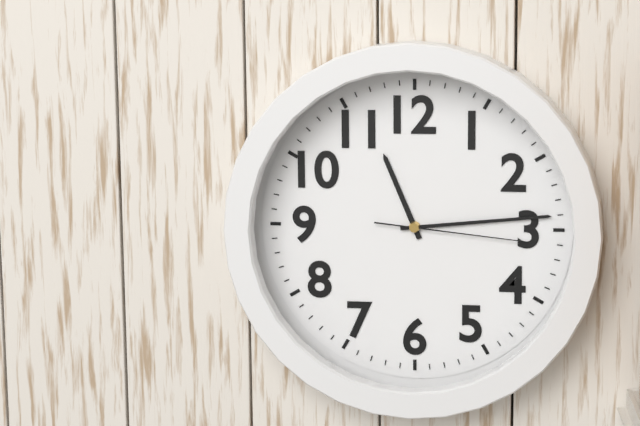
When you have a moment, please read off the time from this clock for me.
11:14:16
